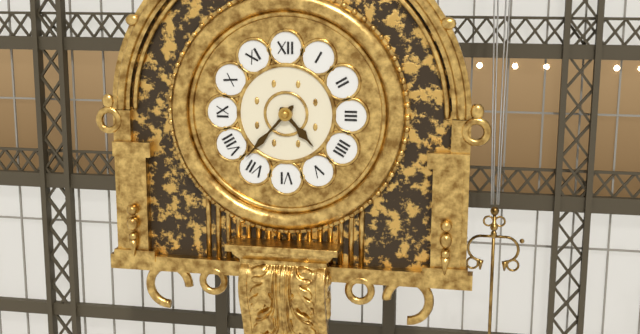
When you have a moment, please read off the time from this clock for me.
4:37
